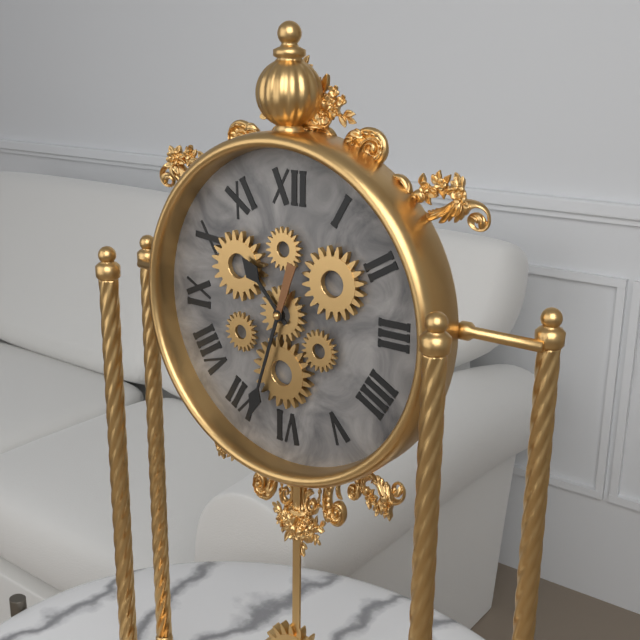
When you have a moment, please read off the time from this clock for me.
10:33
